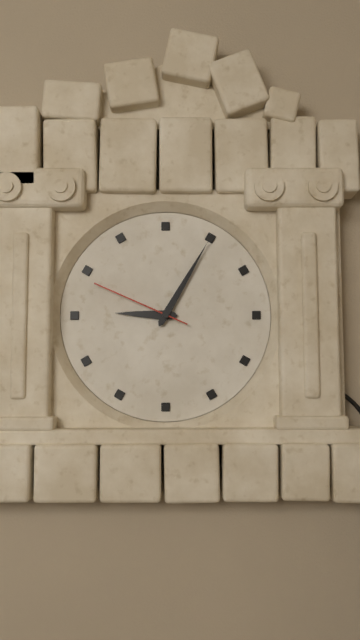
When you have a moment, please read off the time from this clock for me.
9:05:49
